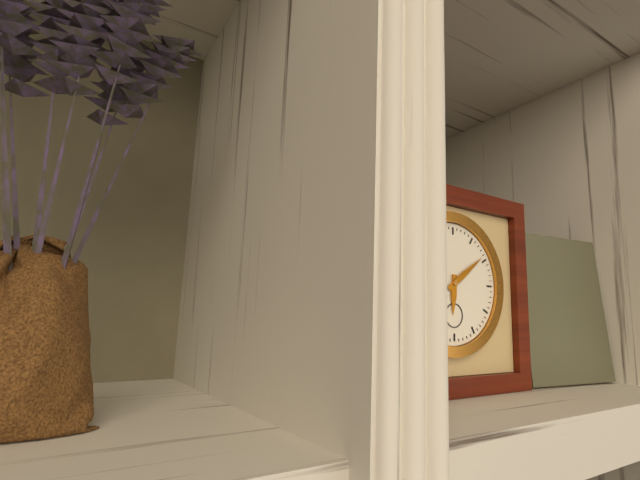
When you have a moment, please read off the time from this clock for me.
6:09
